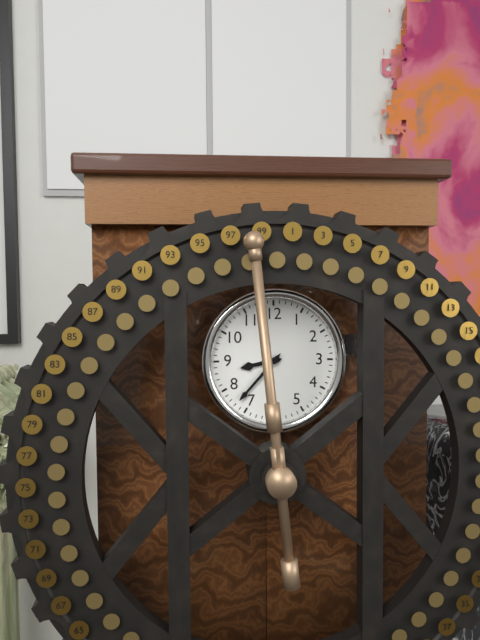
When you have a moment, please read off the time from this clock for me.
8:37
